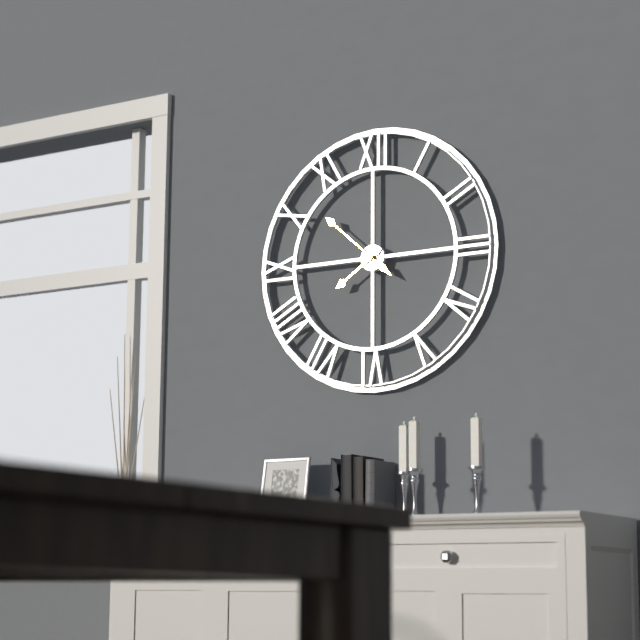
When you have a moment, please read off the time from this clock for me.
7:52
